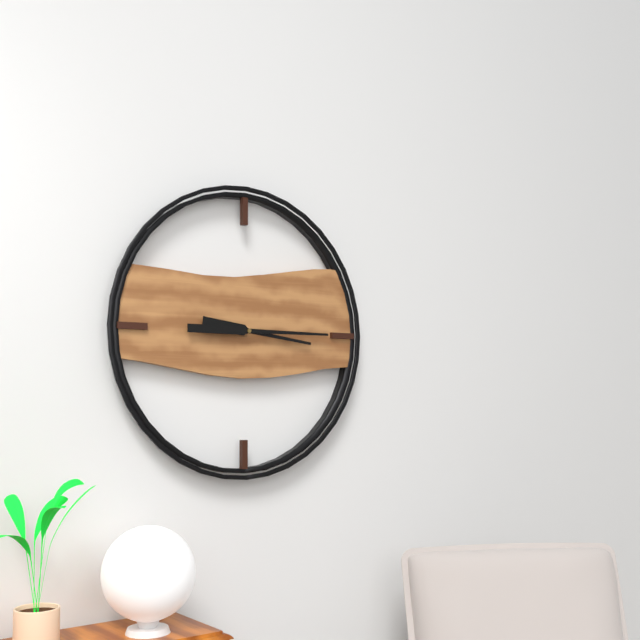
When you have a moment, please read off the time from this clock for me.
3:15
